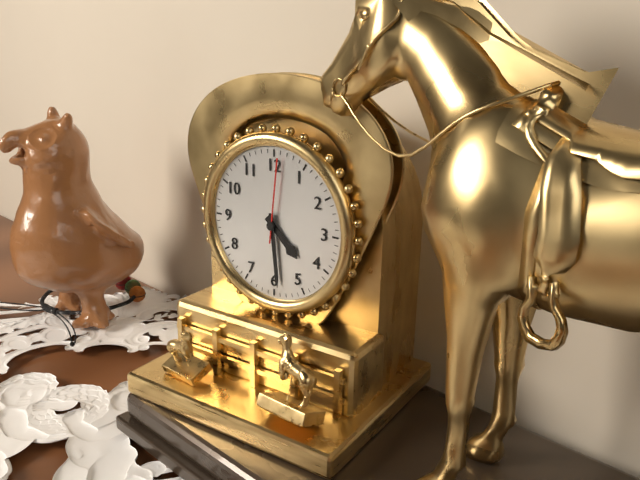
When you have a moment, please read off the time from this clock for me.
4:29:01
